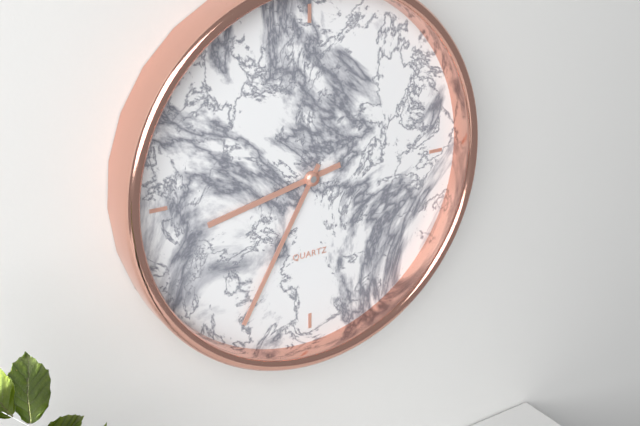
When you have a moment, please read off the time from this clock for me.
8:35
